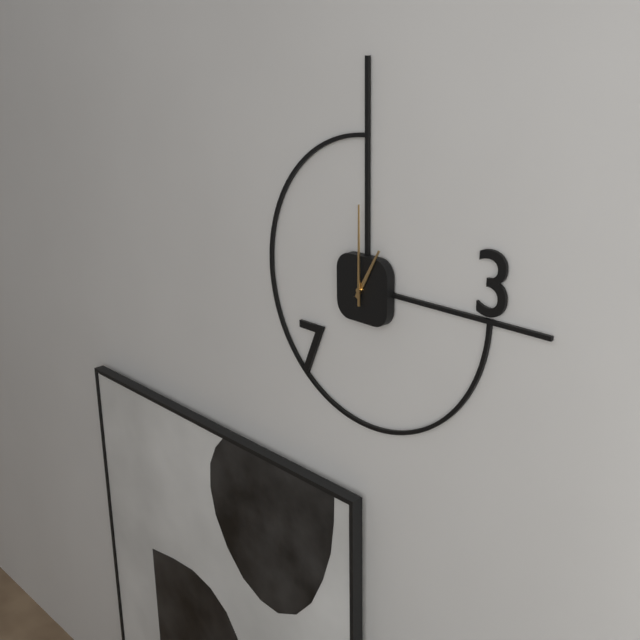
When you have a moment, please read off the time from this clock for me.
1:00
